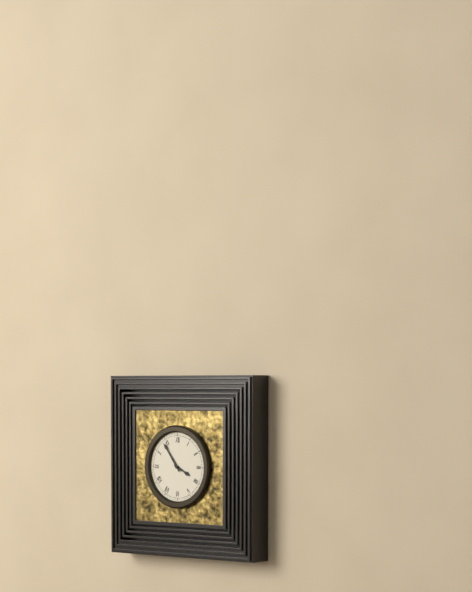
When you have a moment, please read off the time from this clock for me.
3:54
